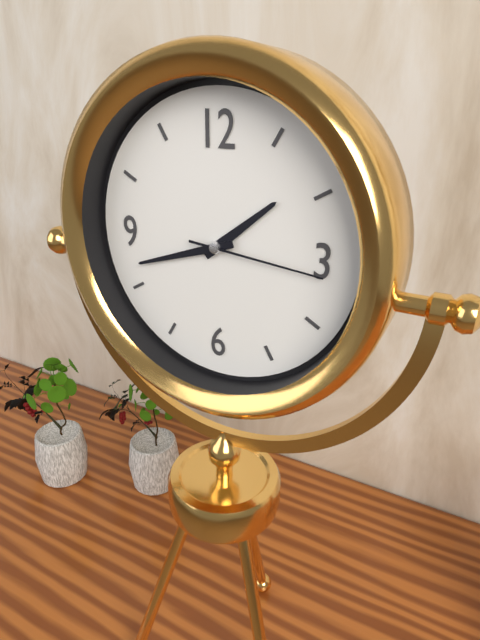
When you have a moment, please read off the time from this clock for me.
1:42:16
